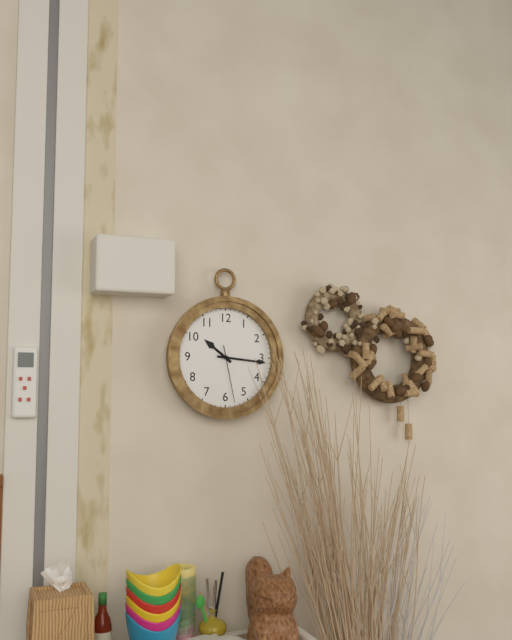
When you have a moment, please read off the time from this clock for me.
10:16:28
